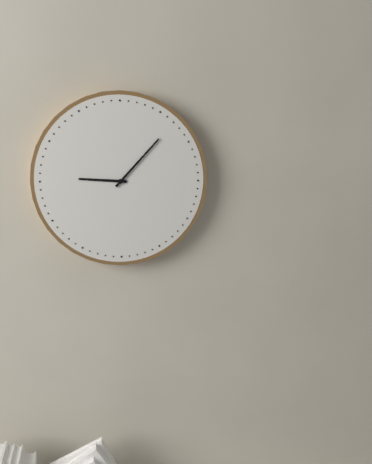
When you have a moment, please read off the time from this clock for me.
9:07
